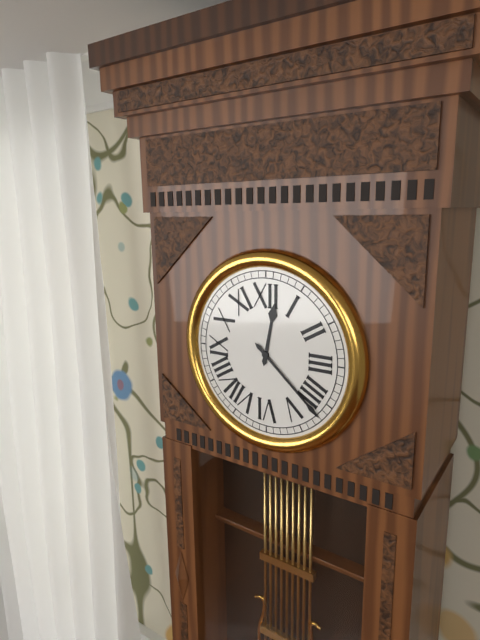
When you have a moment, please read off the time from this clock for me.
12:22
